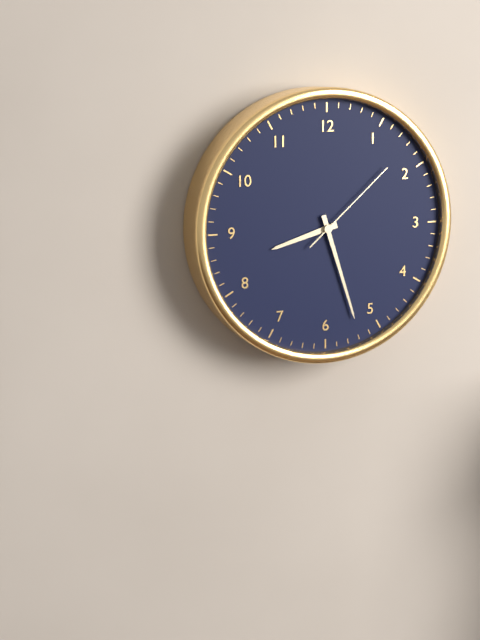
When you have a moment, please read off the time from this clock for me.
8:27:08
